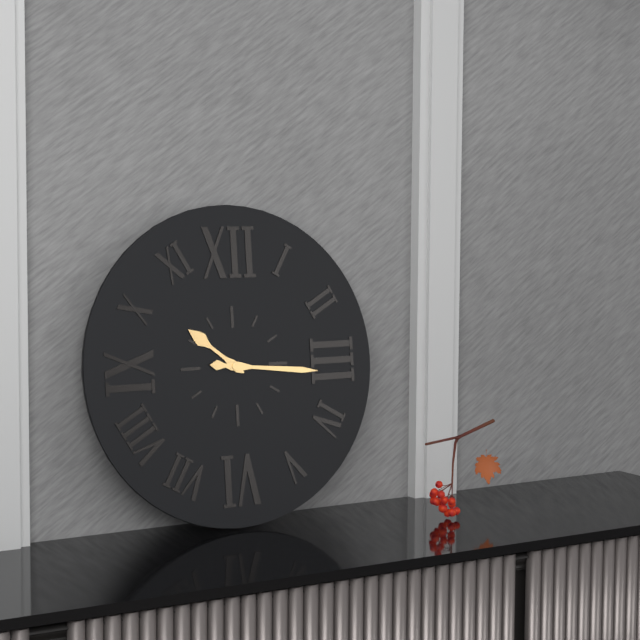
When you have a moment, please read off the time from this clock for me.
10:16
